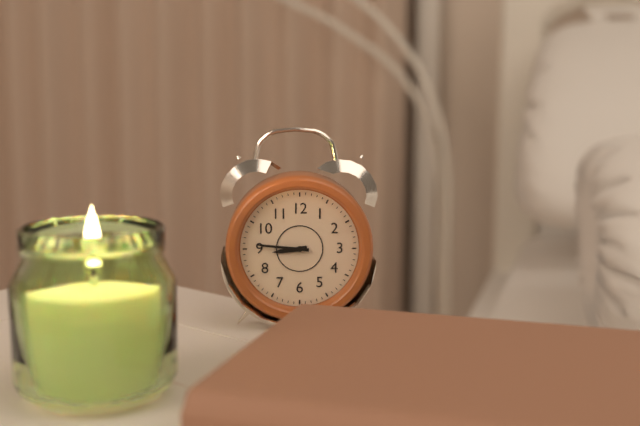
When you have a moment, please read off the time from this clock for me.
8:46
